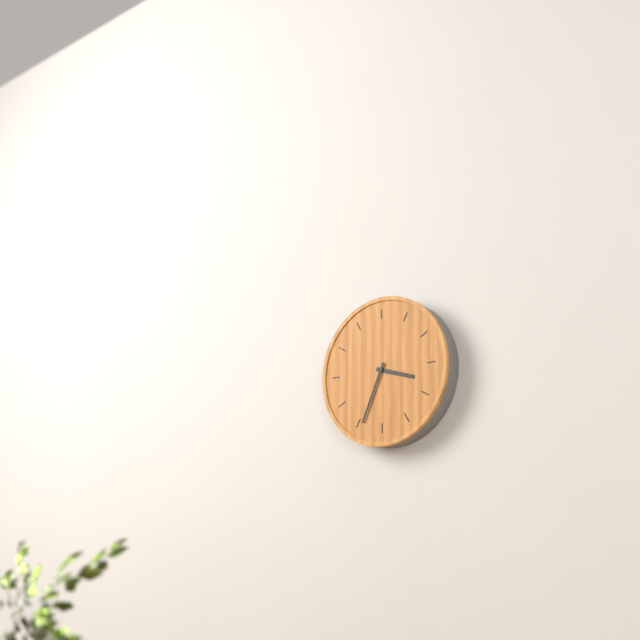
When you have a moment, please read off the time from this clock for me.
3:34
